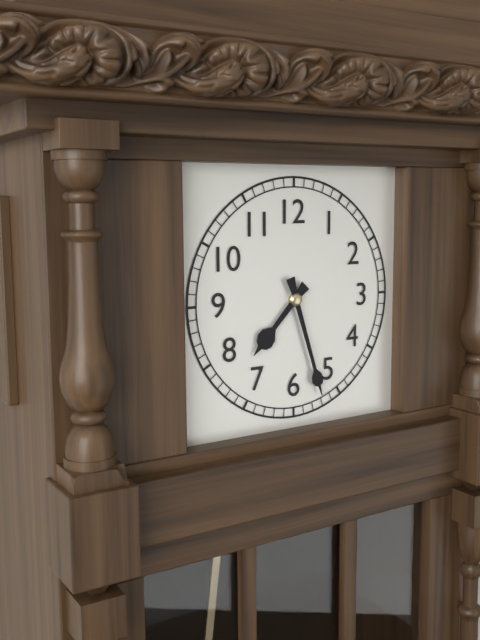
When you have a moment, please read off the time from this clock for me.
7:27
